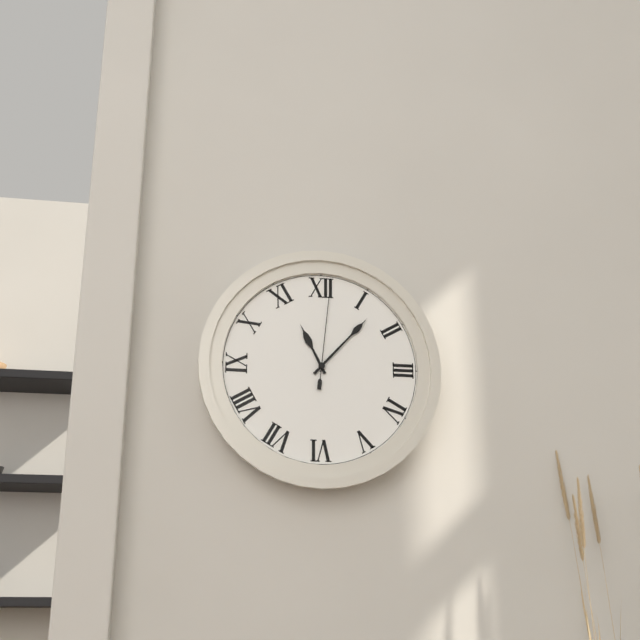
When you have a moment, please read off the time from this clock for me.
11:07:01
